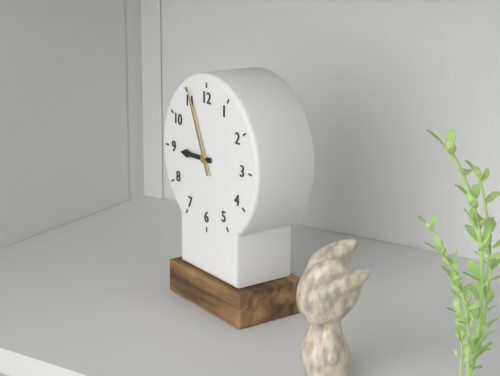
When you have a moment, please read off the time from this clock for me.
8:56
